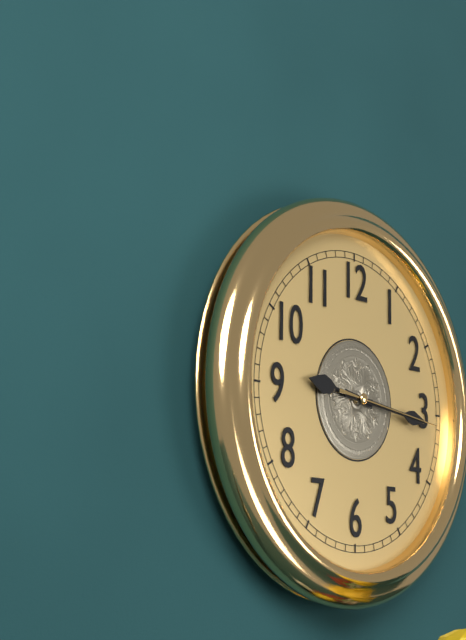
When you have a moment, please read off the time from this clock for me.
9:16:16
